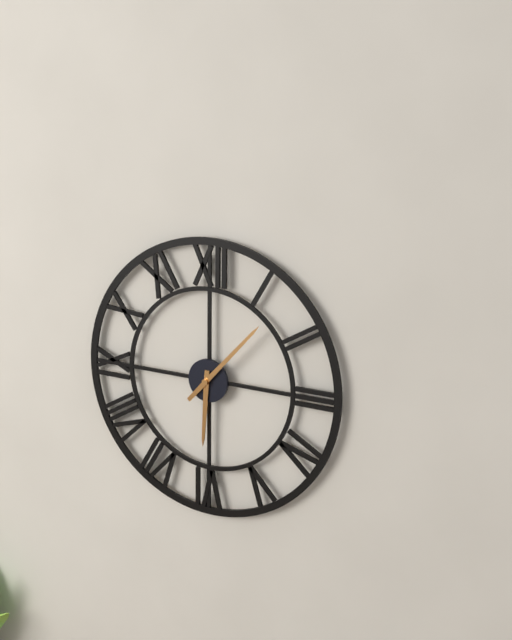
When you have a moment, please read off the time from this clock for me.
6:07
